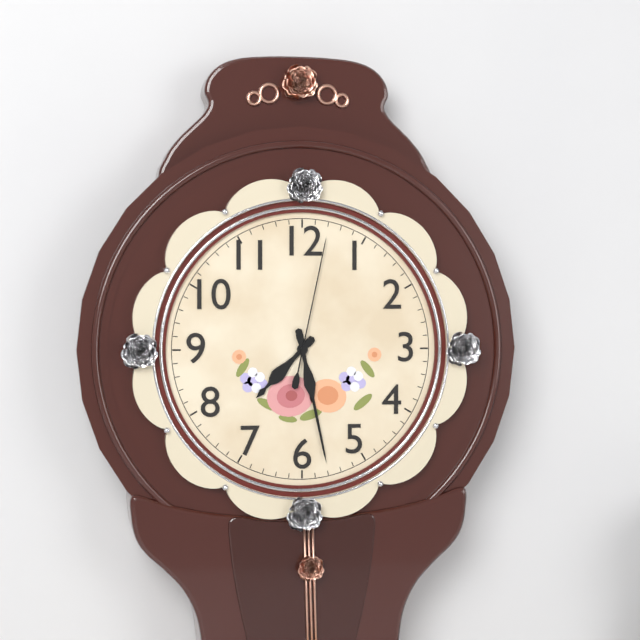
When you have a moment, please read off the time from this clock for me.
7:28:02
